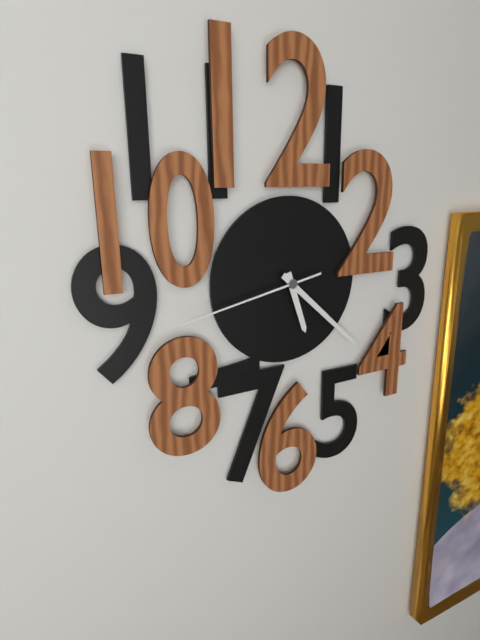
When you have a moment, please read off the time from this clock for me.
5:22:43
